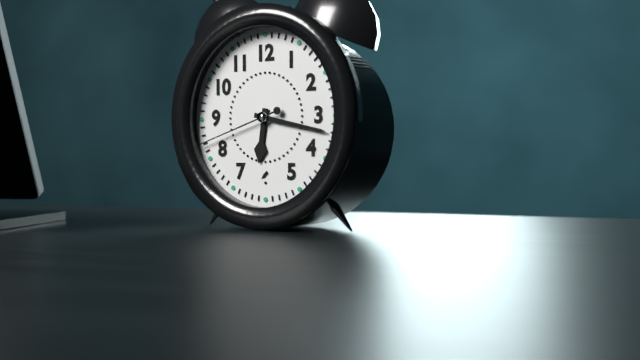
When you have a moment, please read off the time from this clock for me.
6:17:42
